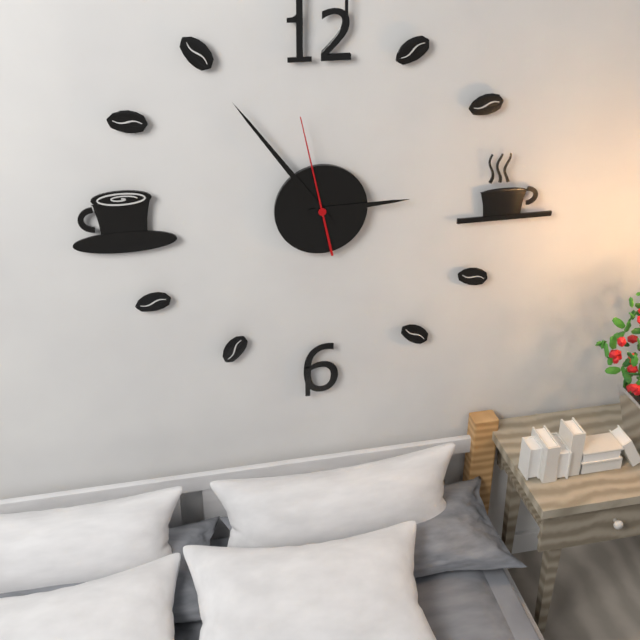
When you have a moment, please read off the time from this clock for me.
2:54:58
